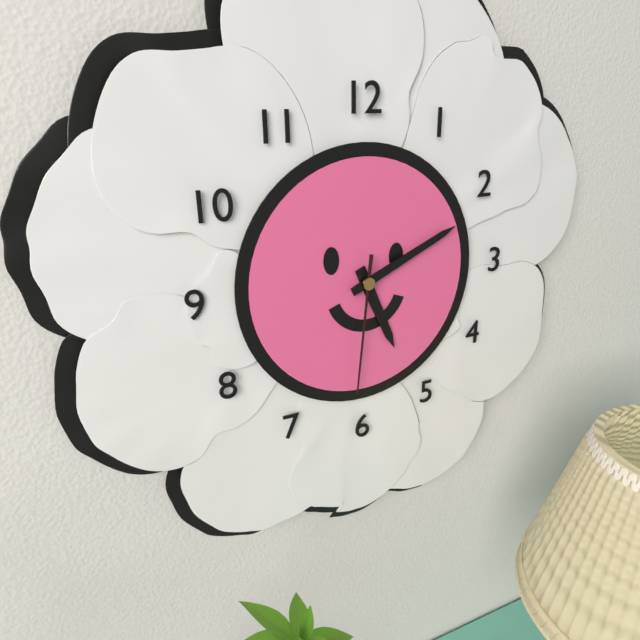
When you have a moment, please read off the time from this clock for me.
5:11:31
